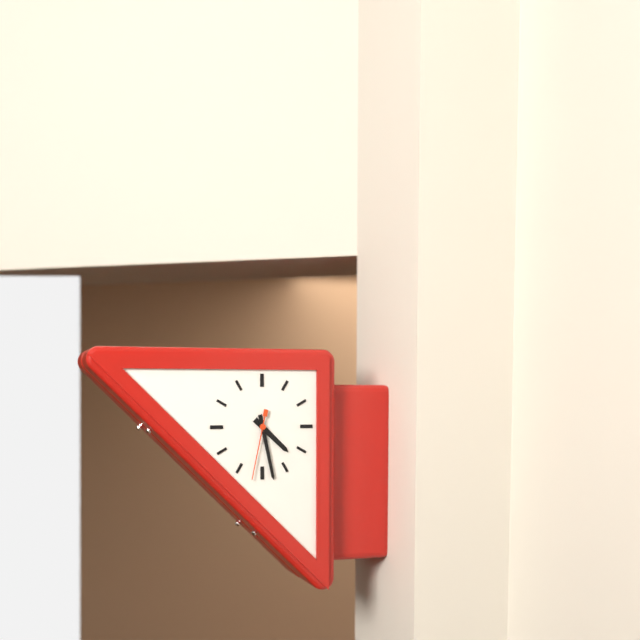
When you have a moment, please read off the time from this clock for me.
4:28:32
